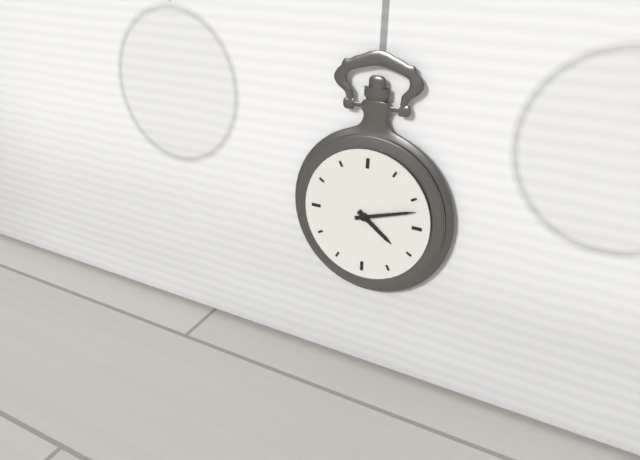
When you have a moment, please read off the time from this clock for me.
4:12
